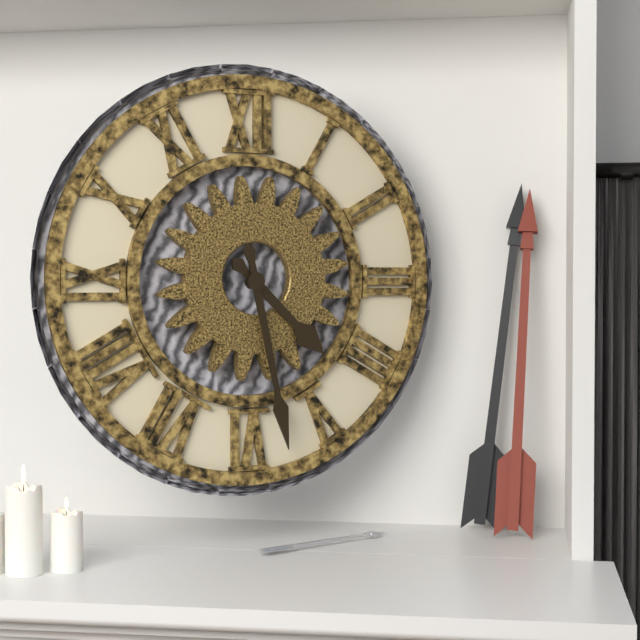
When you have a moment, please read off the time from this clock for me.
4:28
